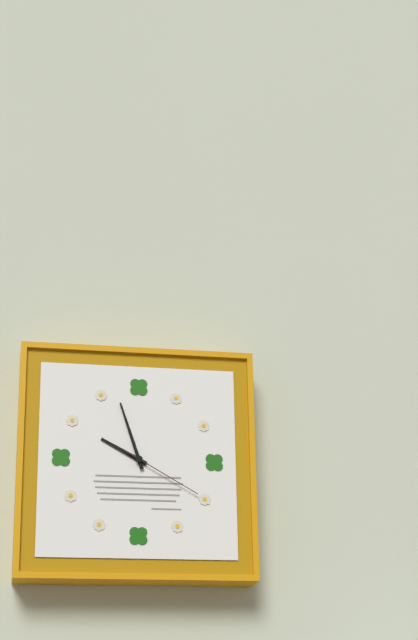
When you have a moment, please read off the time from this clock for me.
9:57:20
